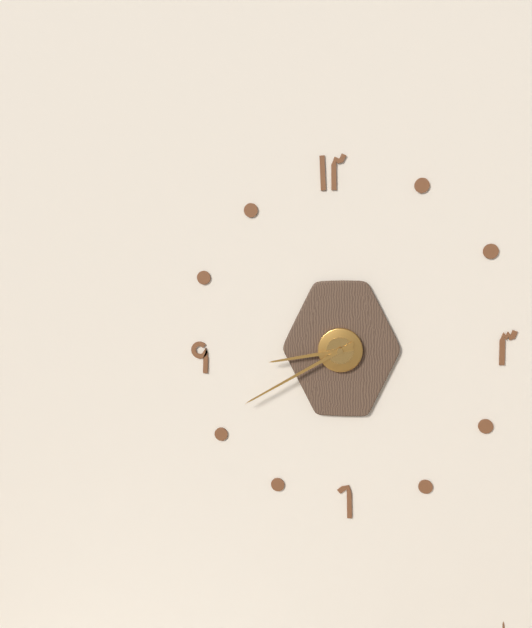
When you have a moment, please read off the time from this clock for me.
8:40
